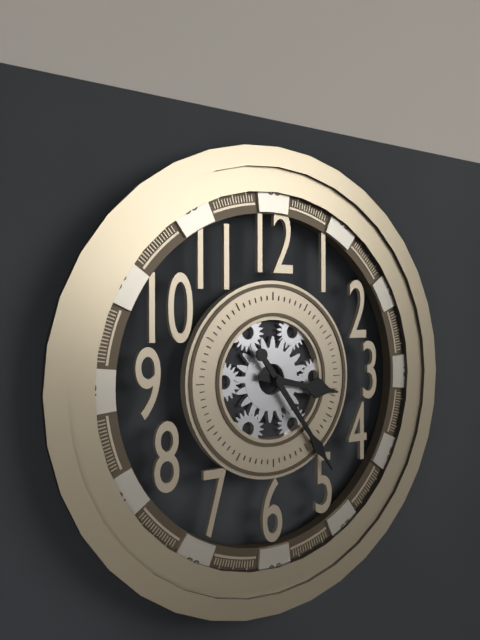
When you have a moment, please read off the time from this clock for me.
3:24
